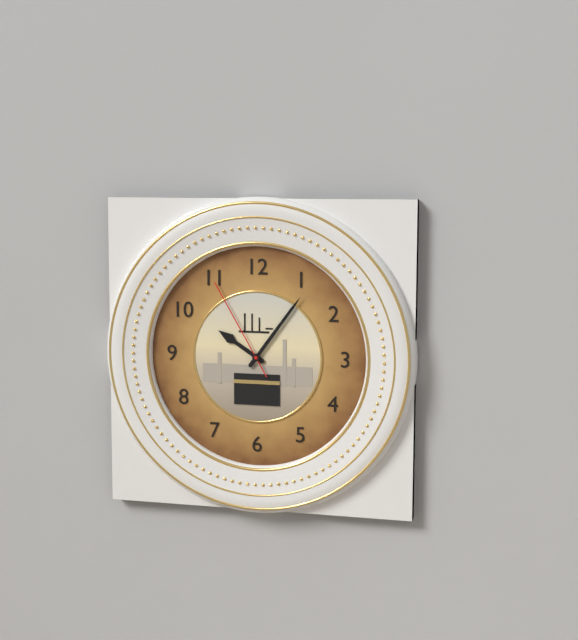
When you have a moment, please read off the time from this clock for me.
10:06:55
